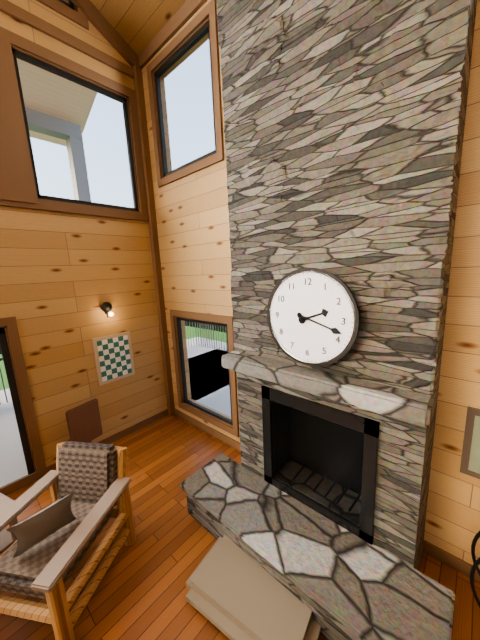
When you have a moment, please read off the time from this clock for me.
2:18
